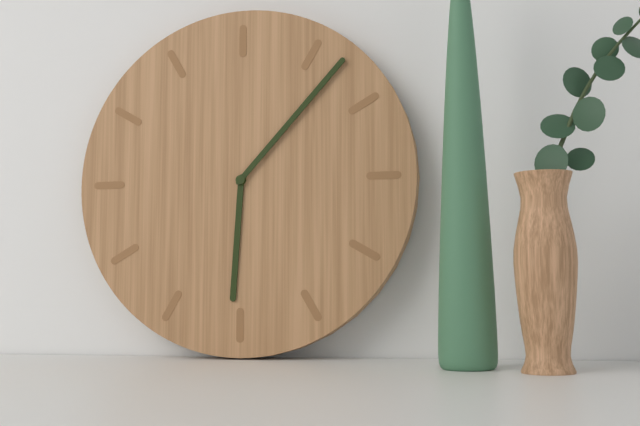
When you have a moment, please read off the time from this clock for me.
6:07
